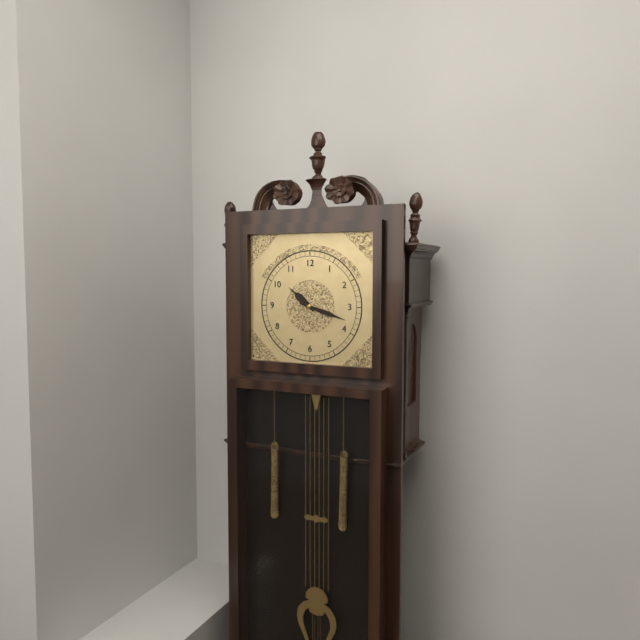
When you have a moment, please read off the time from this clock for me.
10:18
